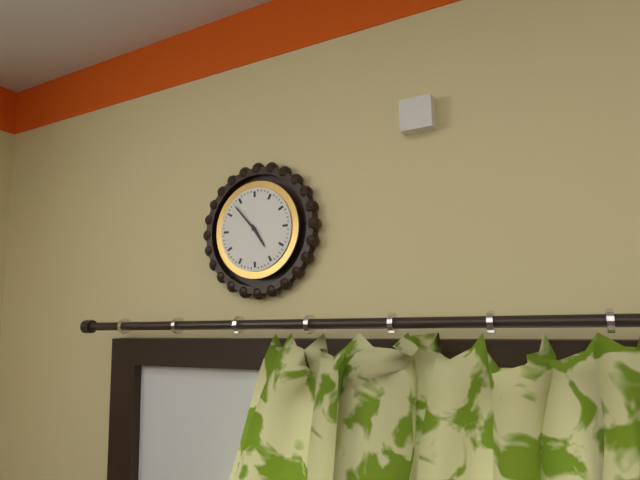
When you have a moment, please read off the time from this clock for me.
4:53
